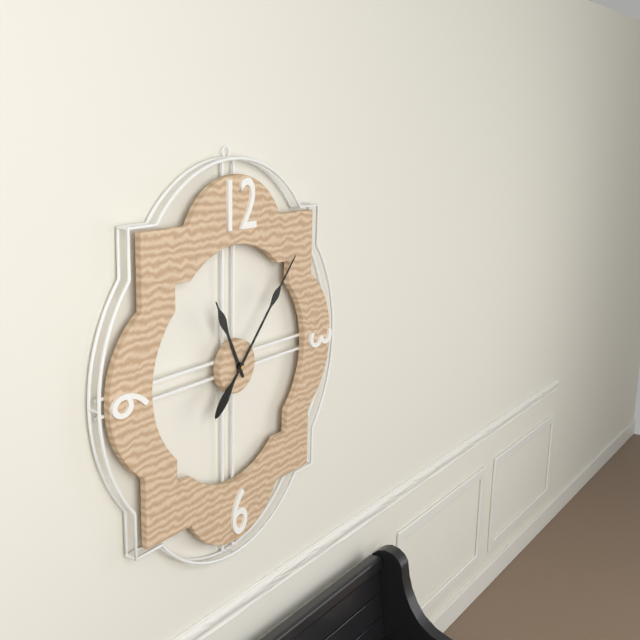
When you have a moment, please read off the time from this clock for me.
11:07
